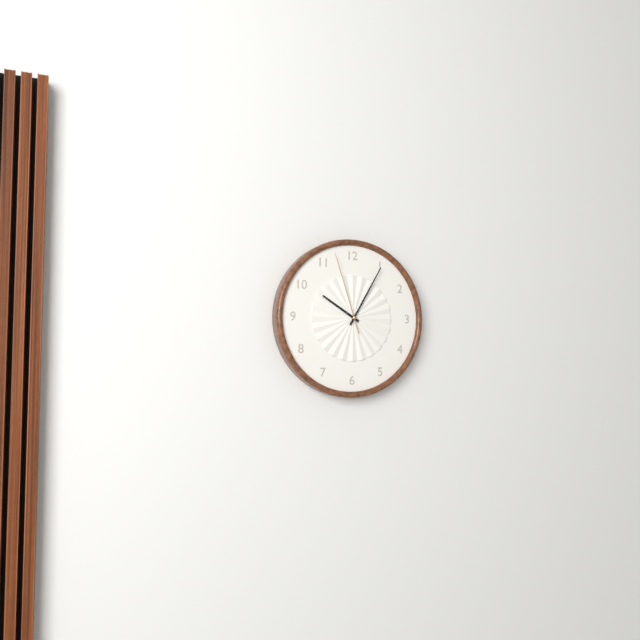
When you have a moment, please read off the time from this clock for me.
10:05:57
